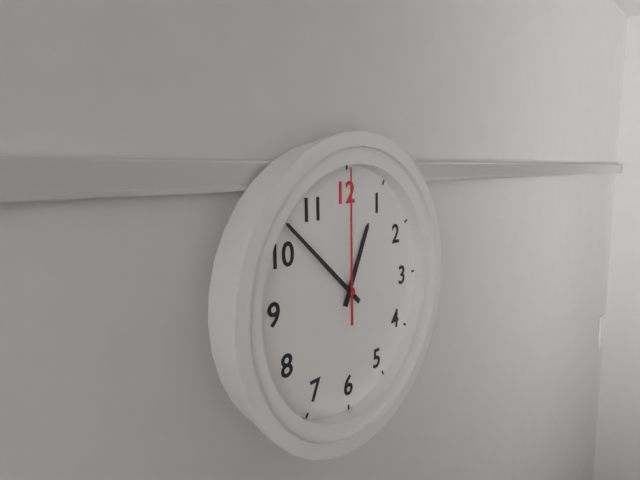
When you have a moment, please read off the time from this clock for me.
12:52:00
